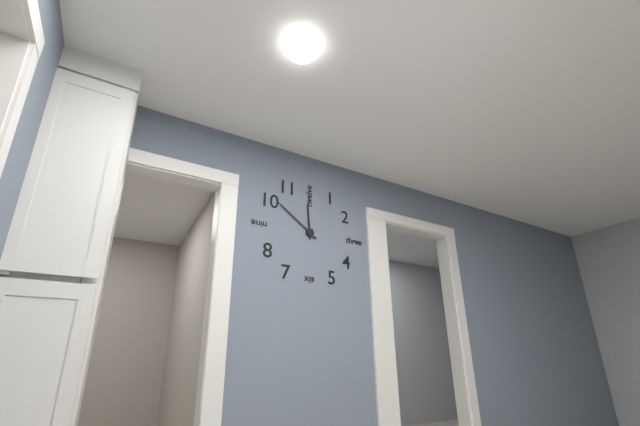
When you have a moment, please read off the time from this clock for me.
11:51
